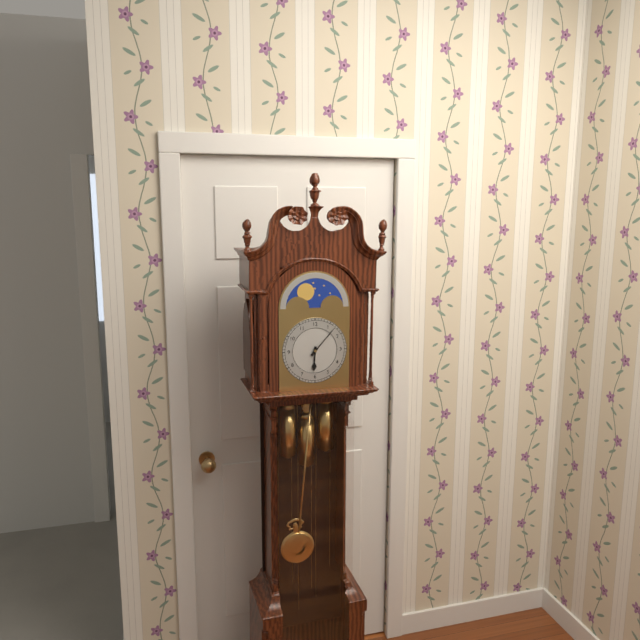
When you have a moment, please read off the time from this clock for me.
6:07
